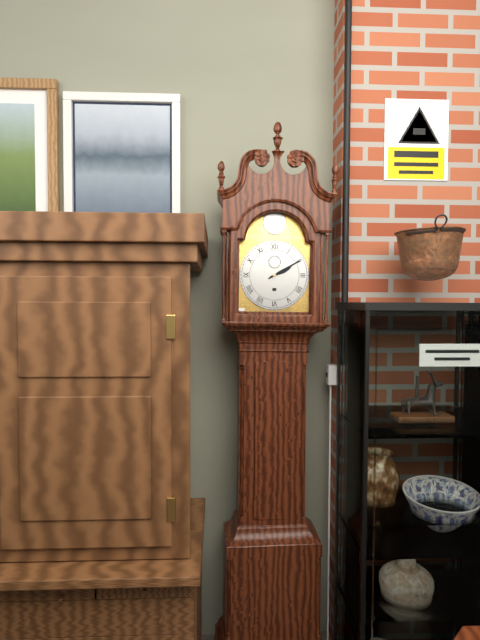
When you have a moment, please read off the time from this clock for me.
2:10
